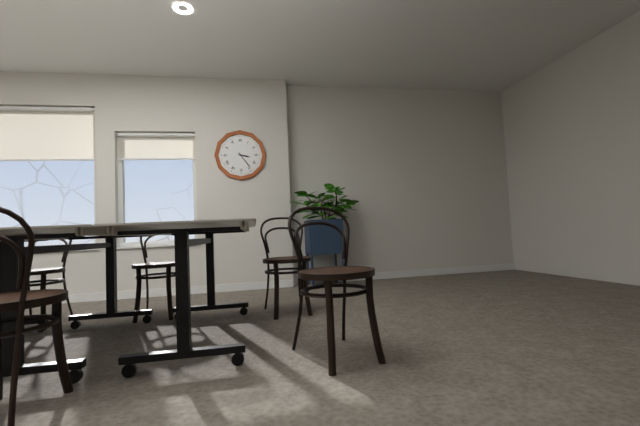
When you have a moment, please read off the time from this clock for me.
3:24
